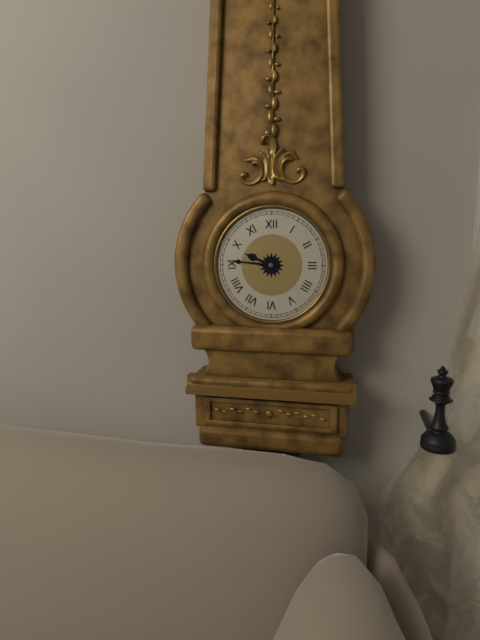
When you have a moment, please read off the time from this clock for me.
9:46
